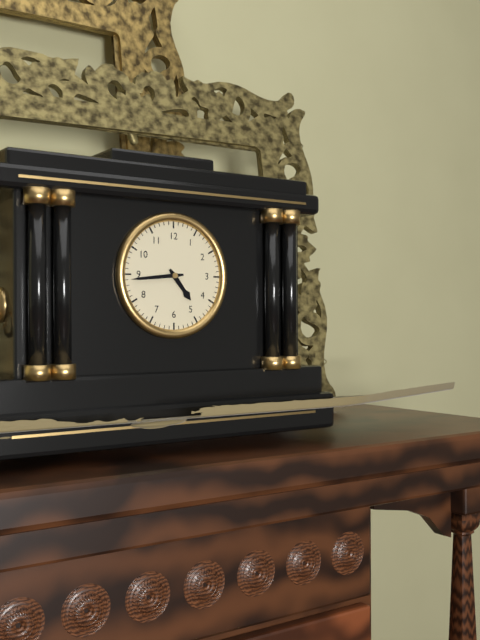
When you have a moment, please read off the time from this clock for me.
4:44
